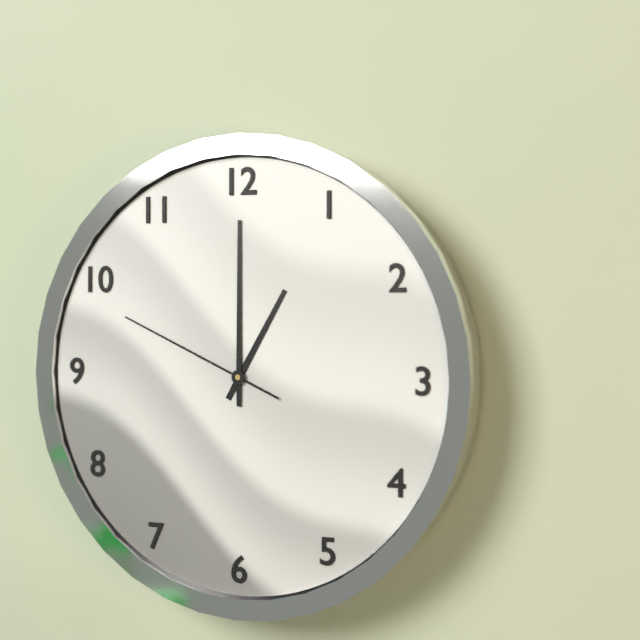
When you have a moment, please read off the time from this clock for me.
1:00:49
